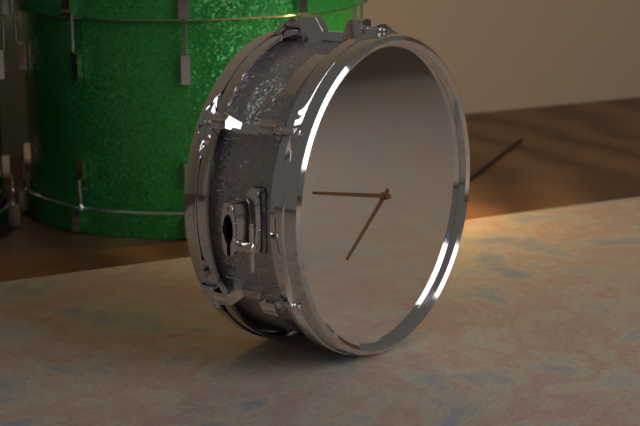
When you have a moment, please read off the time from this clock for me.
7:47
